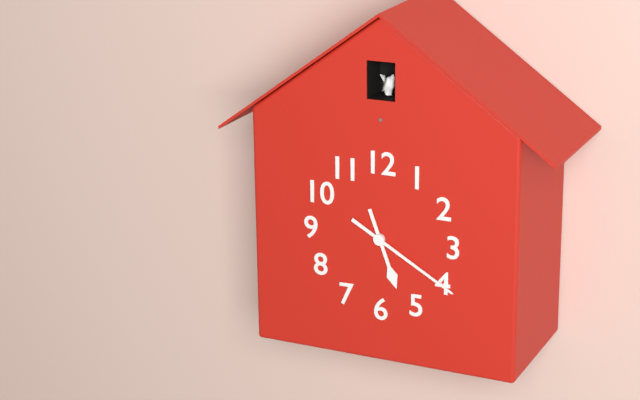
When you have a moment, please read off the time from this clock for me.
5:20
